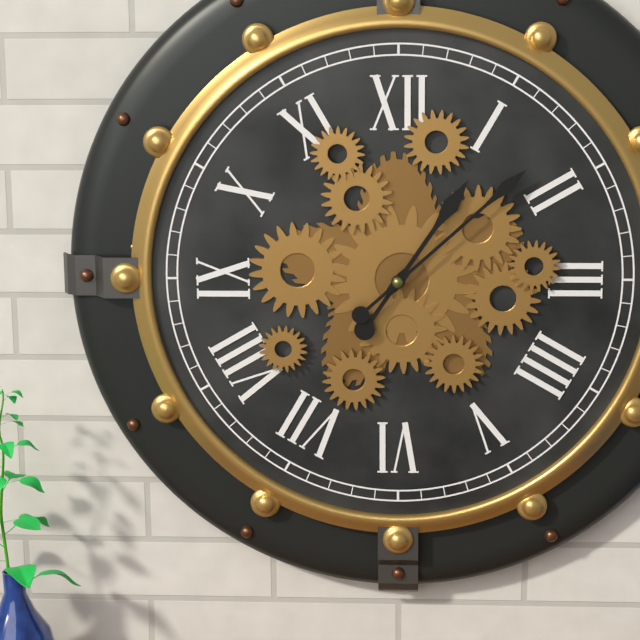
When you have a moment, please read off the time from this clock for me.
1:08
